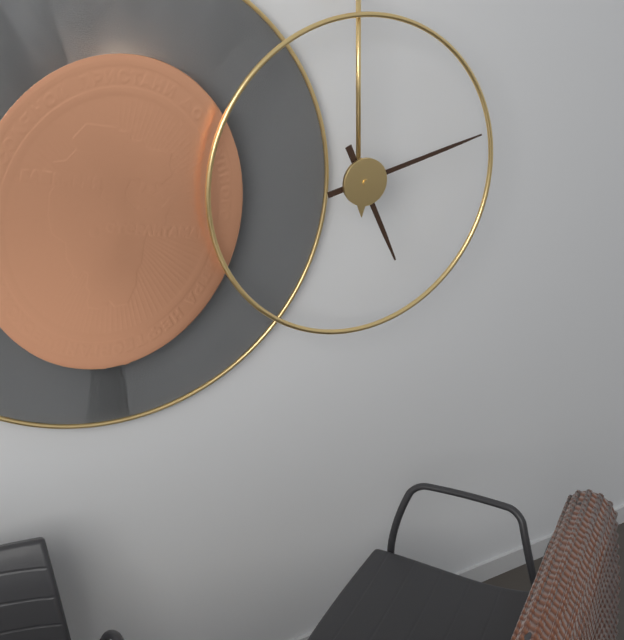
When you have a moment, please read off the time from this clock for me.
5:13
